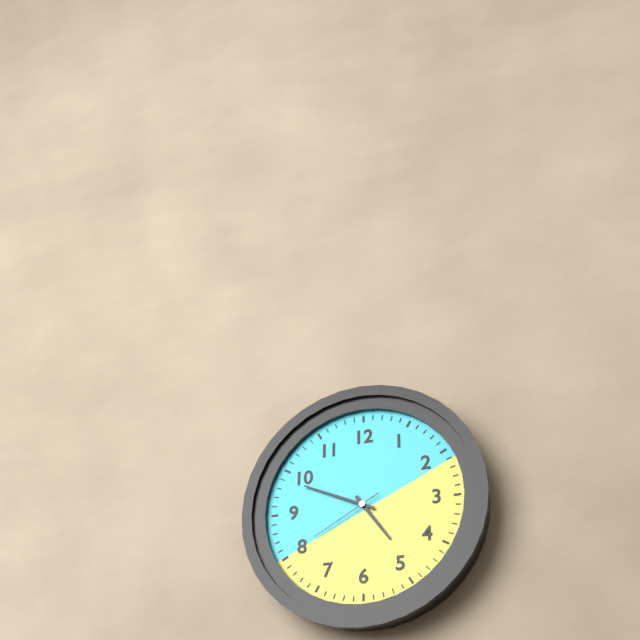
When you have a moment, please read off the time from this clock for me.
4:49:40
